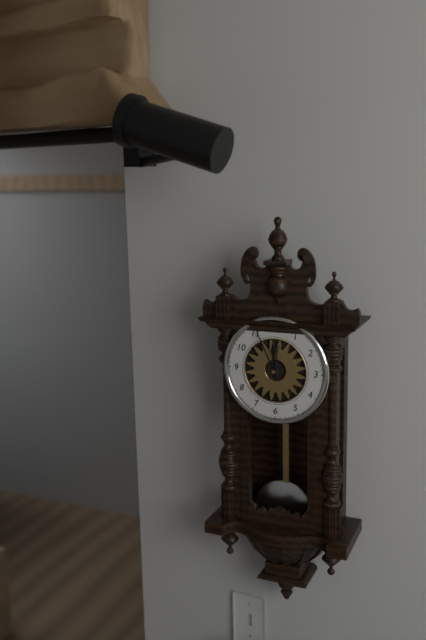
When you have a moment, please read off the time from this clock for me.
11:56
